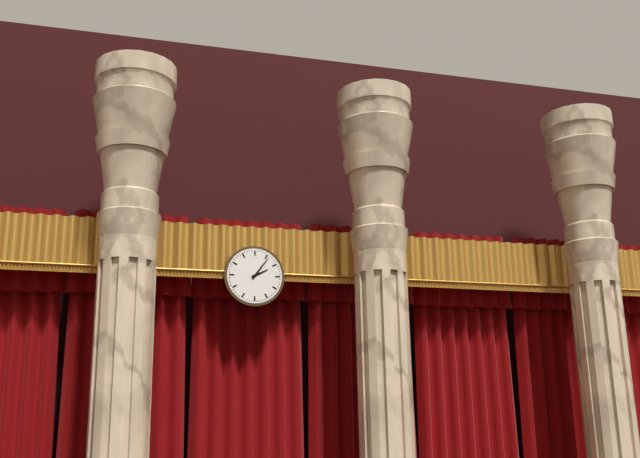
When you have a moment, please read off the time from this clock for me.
2:06
